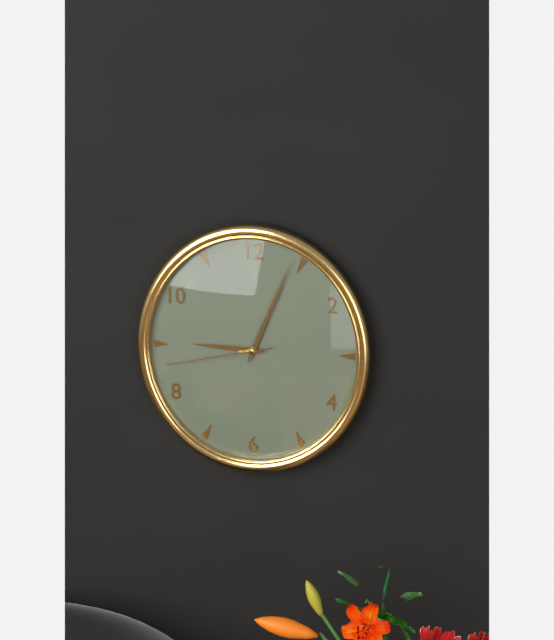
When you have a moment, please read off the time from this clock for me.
9:04:43
